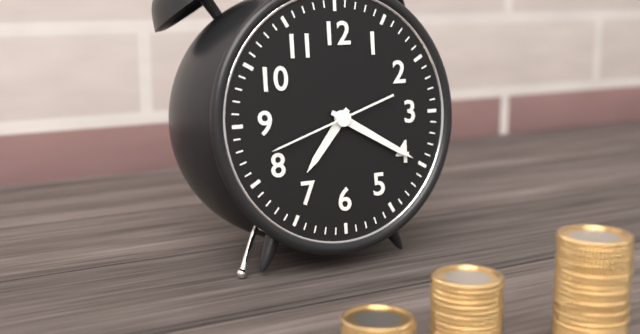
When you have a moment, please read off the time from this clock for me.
7:20:42
